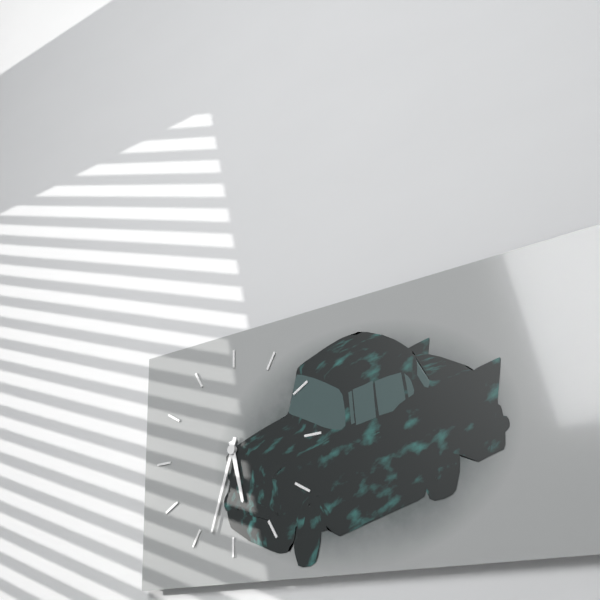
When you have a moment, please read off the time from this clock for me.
5:33
